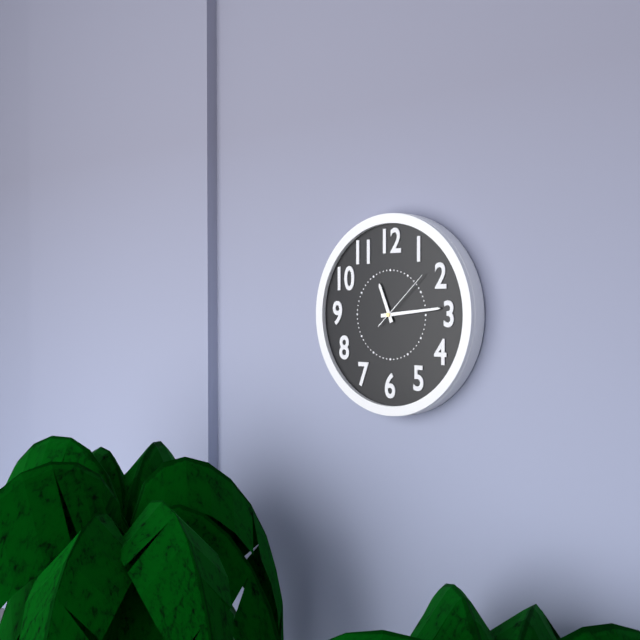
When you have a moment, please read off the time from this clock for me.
11:14:08
